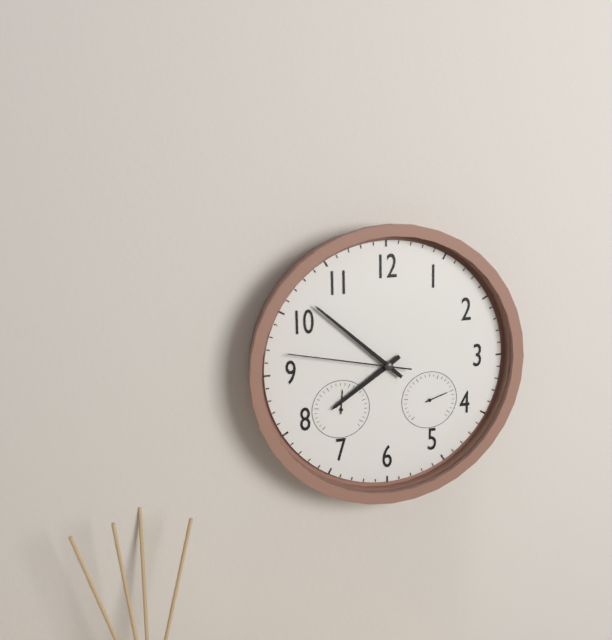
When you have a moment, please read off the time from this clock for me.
7:52:47
